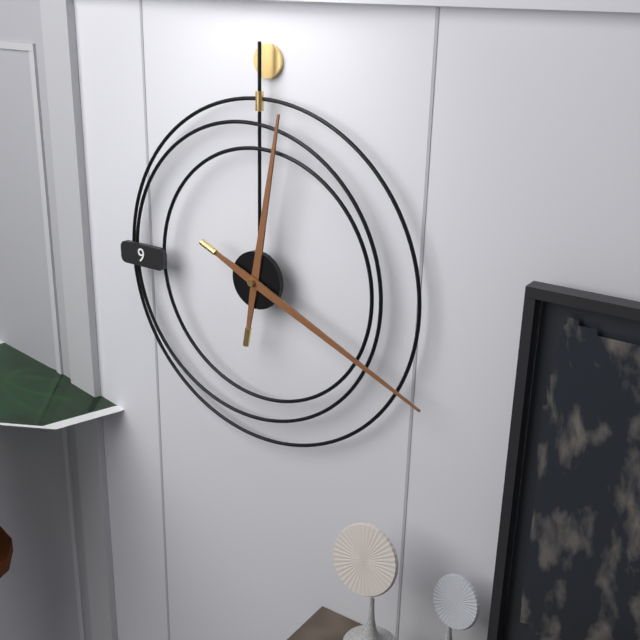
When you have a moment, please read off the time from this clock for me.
12:19
